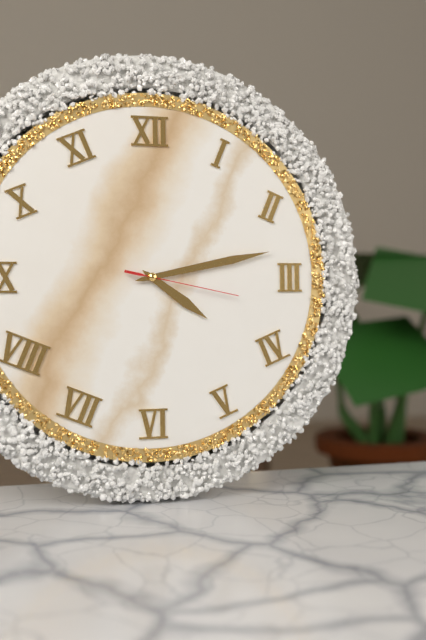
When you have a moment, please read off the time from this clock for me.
4:13:17
